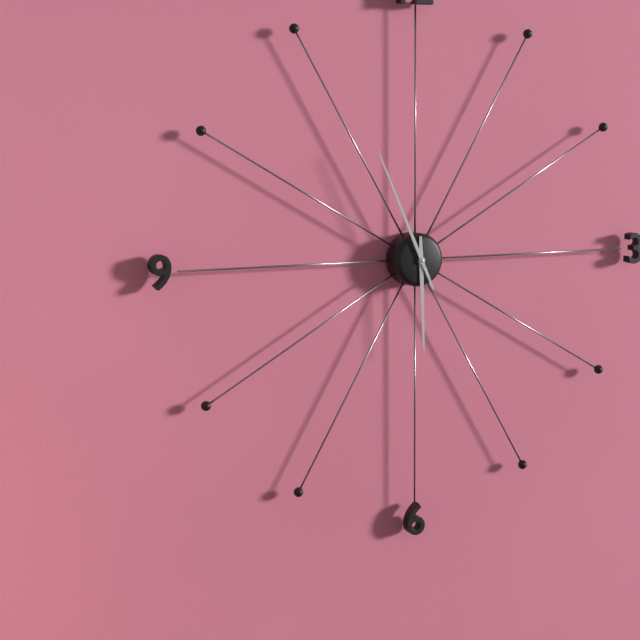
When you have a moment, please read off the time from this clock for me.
5:56
